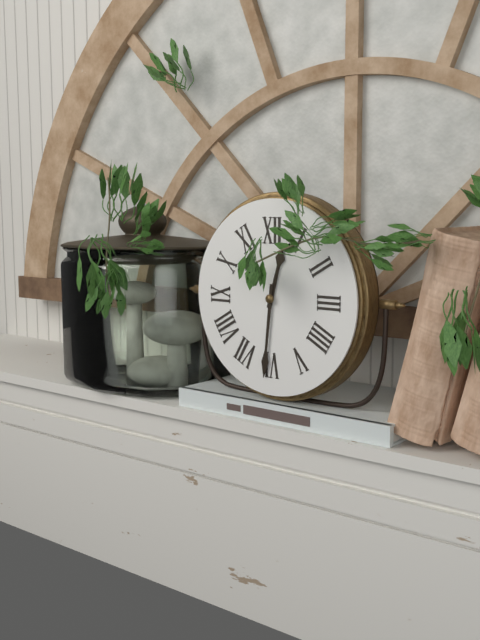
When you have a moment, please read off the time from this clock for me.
12:31
